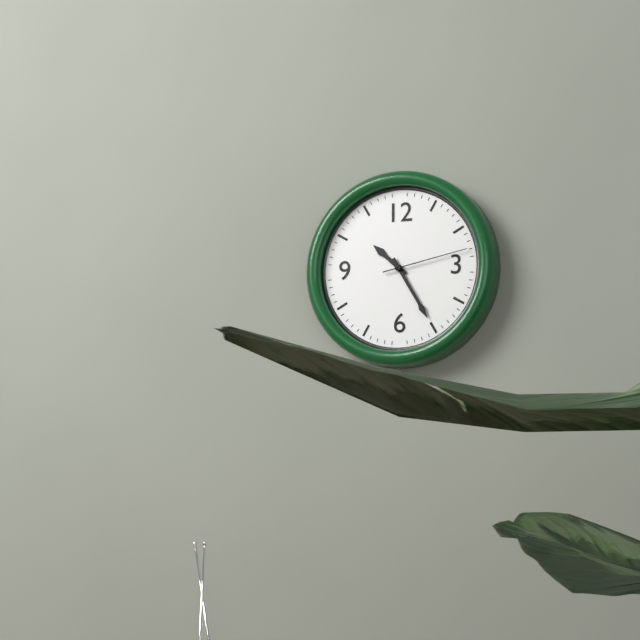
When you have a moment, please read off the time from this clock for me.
10:25:13
